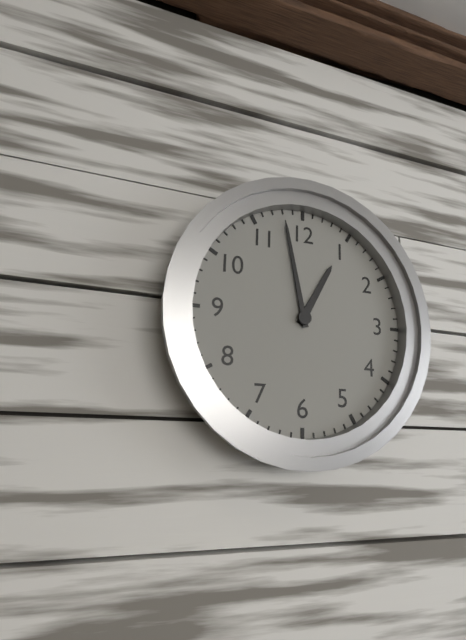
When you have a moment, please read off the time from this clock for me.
12:58
